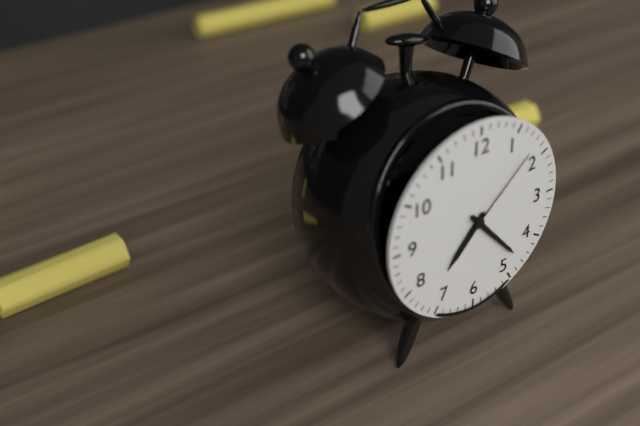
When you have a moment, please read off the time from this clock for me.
7:23:08
